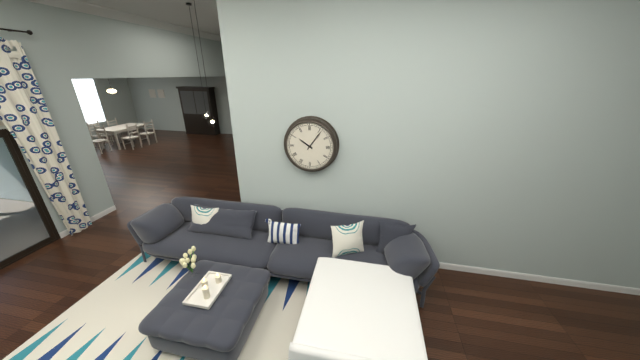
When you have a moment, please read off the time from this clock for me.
10:06
